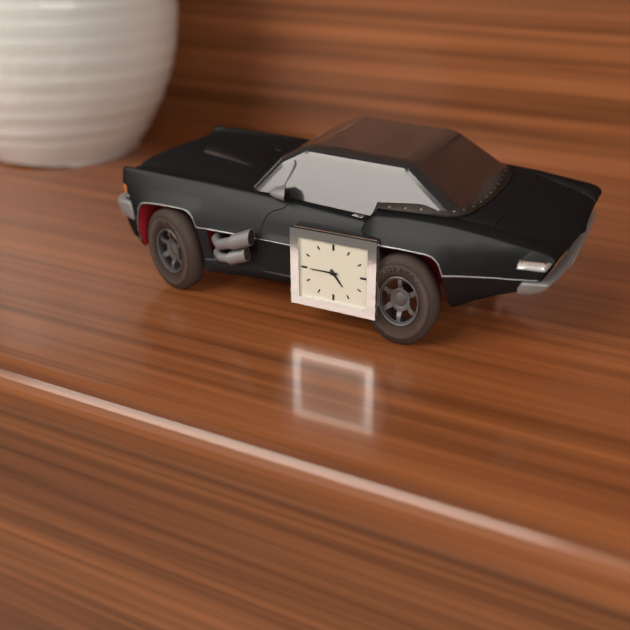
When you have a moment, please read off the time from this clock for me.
4:45
